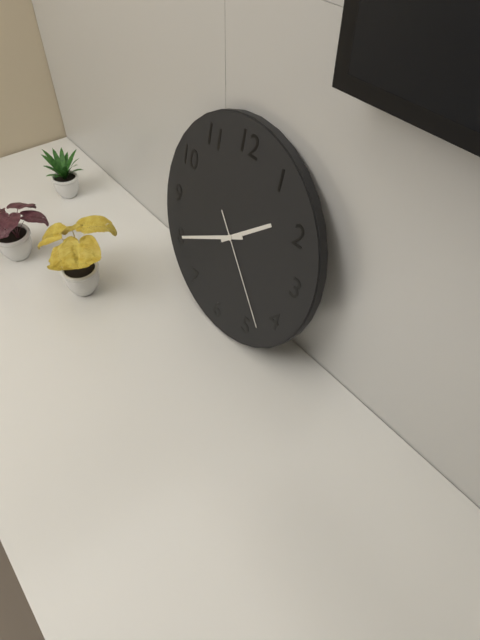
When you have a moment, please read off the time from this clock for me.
1:40:23
